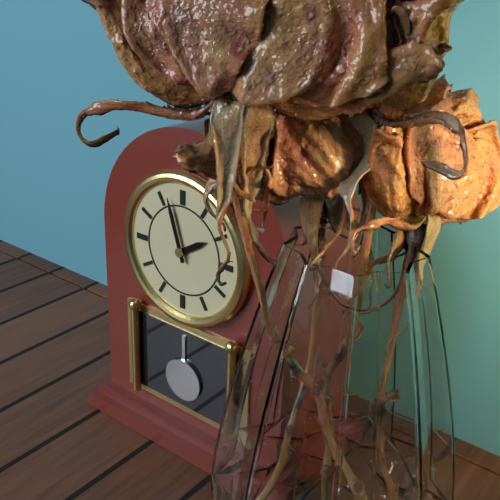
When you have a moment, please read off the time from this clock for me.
1:57
